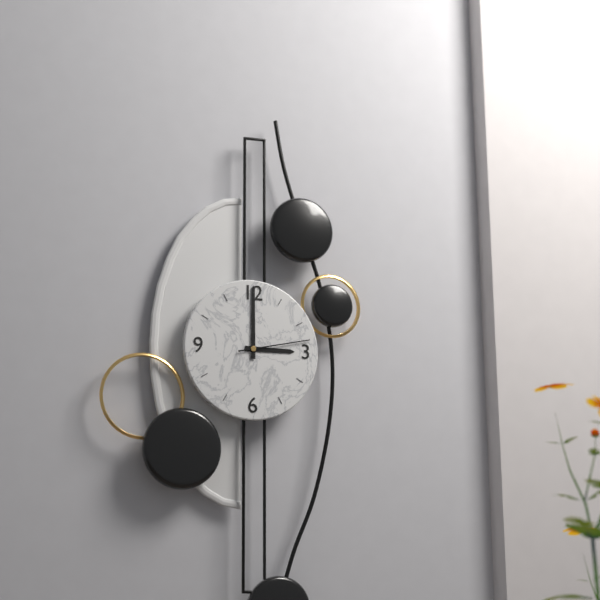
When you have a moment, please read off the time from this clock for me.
3:00:13
